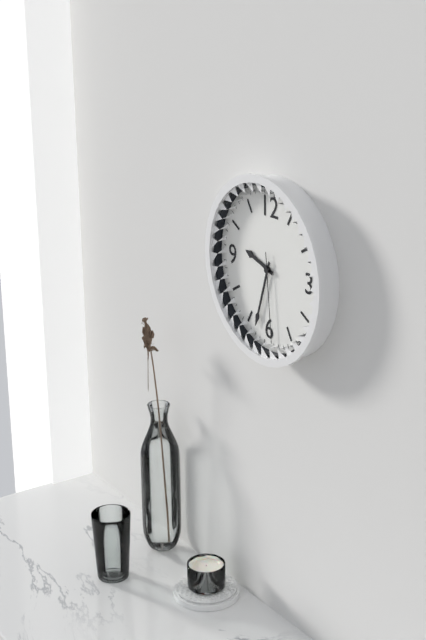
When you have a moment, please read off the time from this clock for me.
9:33:29
